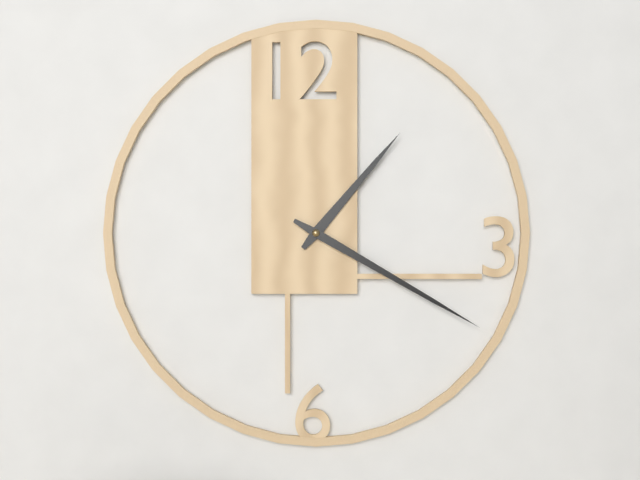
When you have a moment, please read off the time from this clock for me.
1:20
